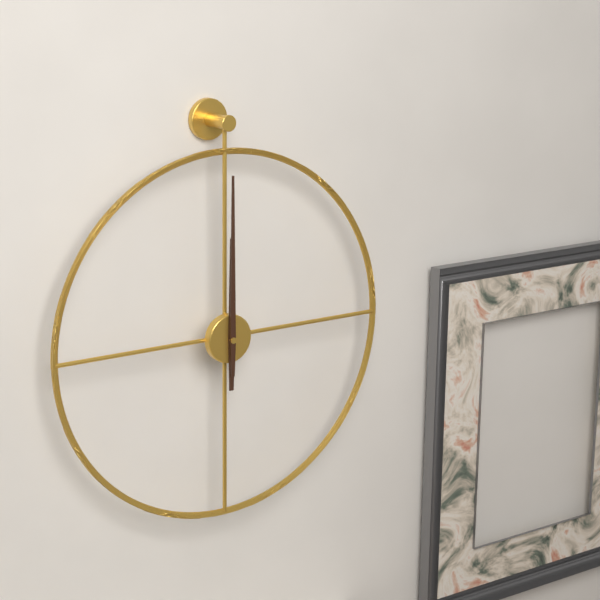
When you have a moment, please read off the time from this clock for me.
12:00
